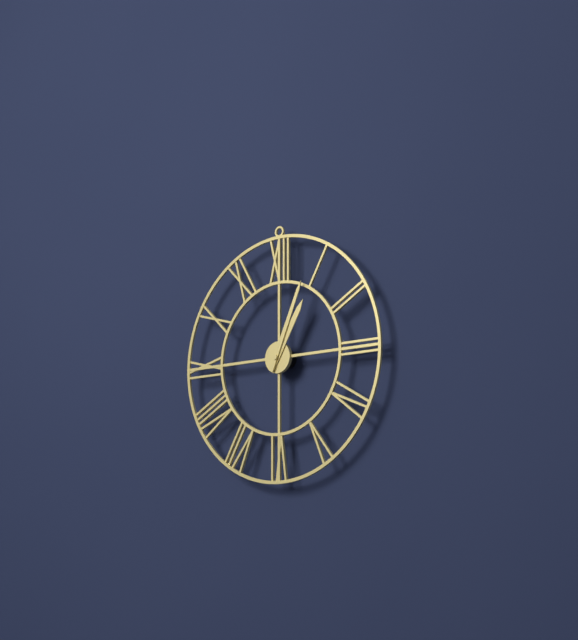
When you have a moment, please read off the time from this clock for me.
1:04
